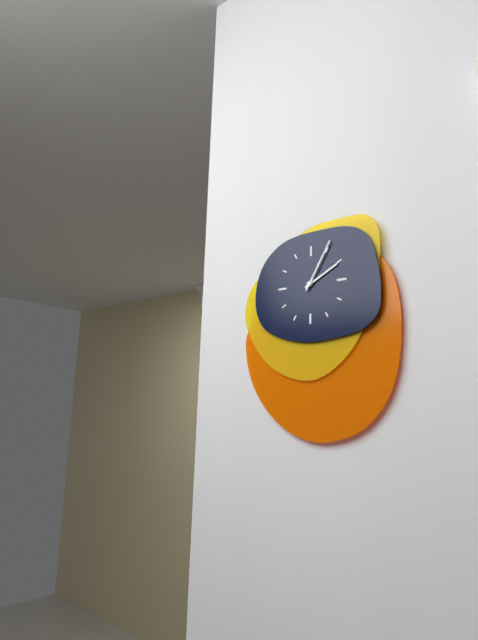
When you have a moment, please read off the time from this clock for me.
2:05
